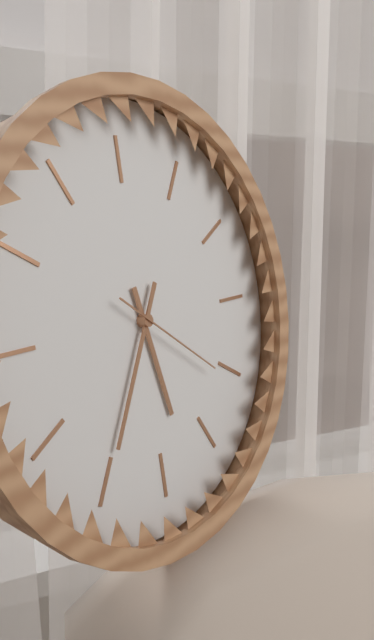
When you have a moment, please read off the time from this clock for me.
5:35:21
